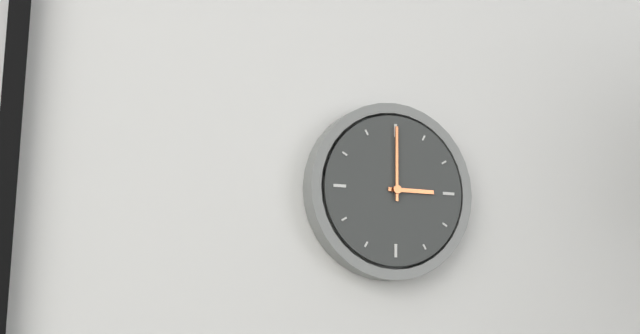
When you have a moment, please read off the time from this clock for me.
3:00
